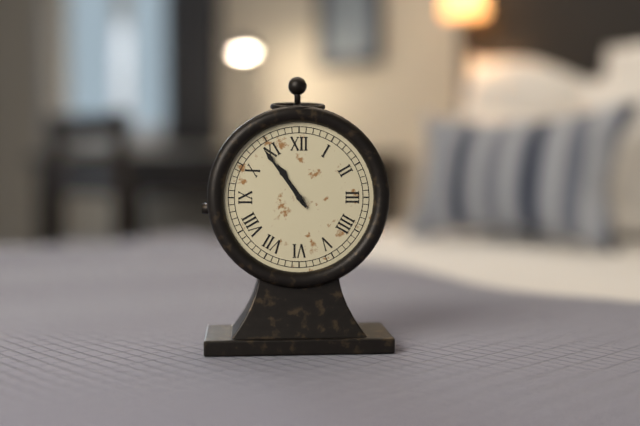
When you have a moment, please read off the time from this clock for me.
10:54
